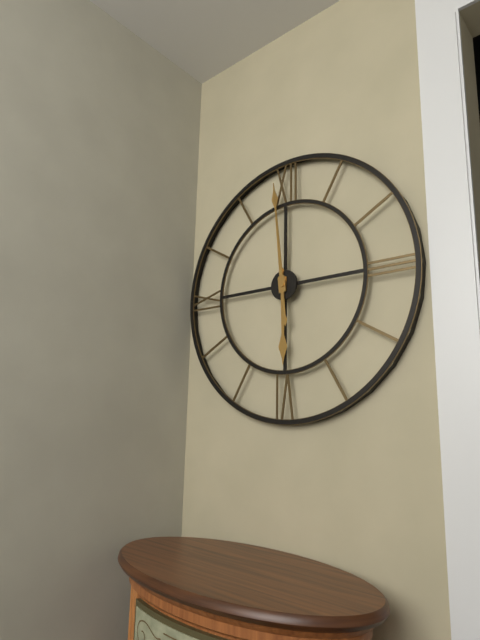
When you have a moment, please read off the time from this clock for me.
5:59
